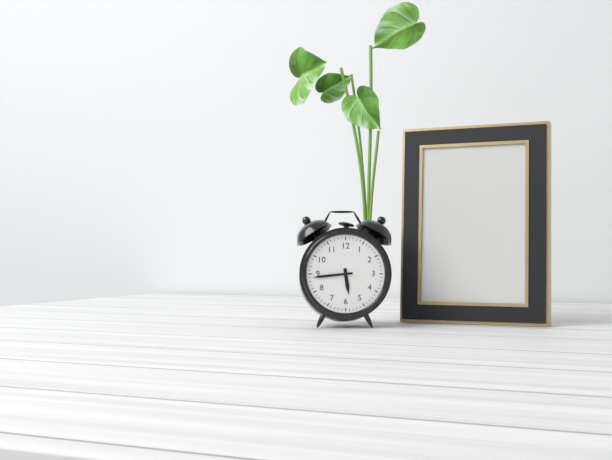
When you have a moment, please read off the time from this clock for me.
5:44
